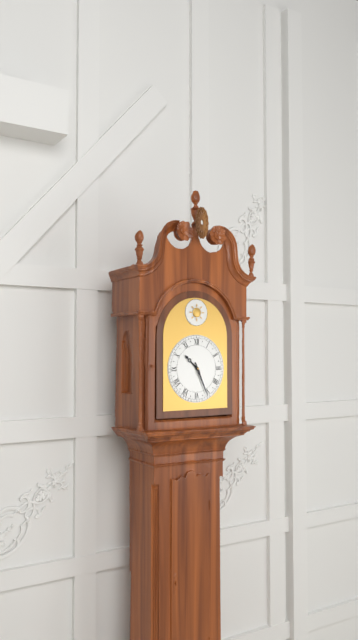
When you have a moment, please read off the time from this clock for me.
10:26
